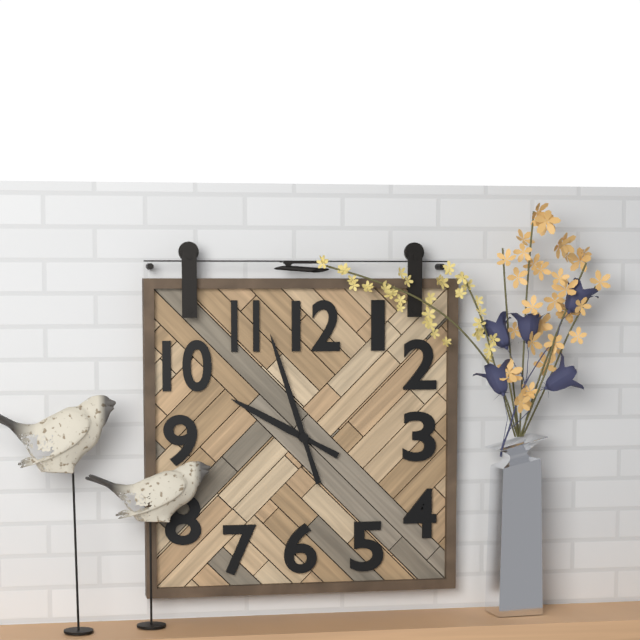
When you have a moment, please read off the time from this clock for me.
9:57
